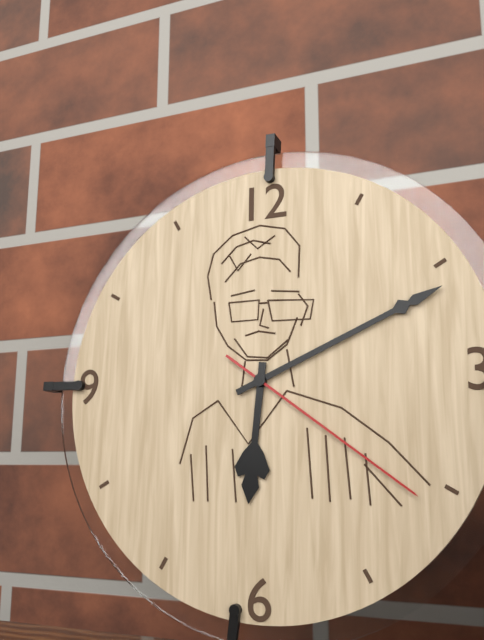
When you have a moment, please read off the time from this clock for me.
6:11:21
